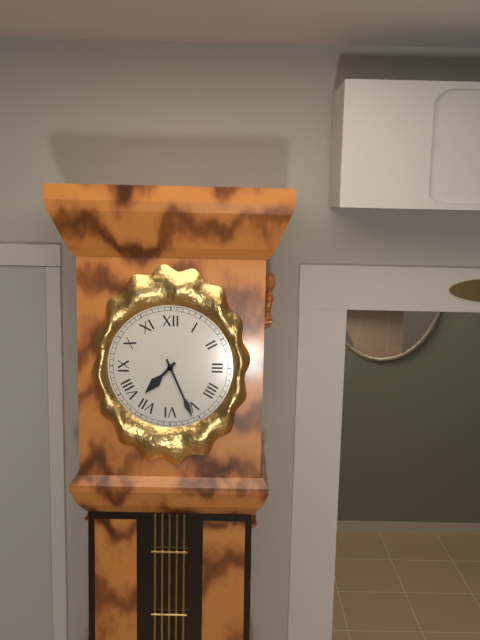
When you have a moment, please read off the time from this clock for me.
7:26
